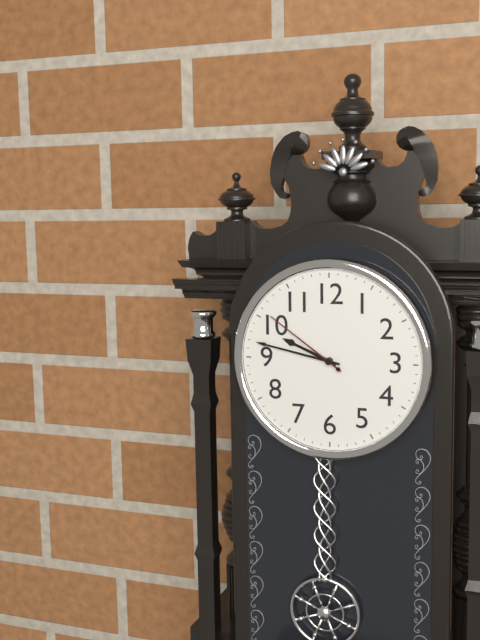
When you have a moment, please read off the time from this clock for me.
9:47:51
